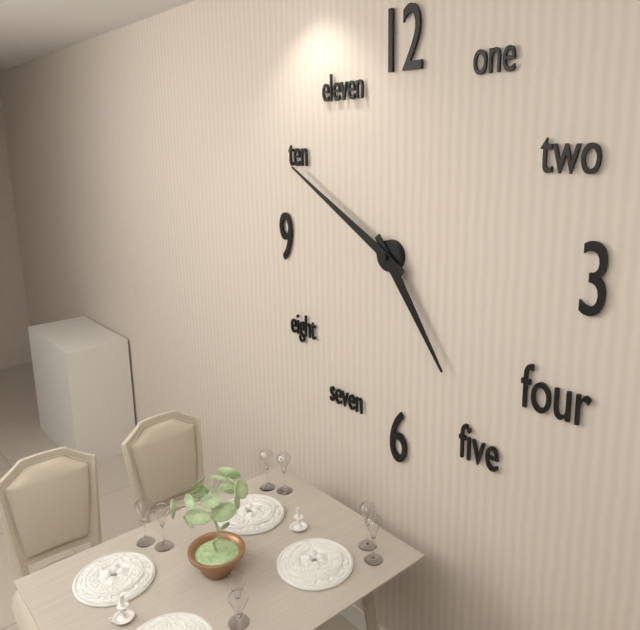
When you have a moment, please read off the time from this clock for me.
4:50
